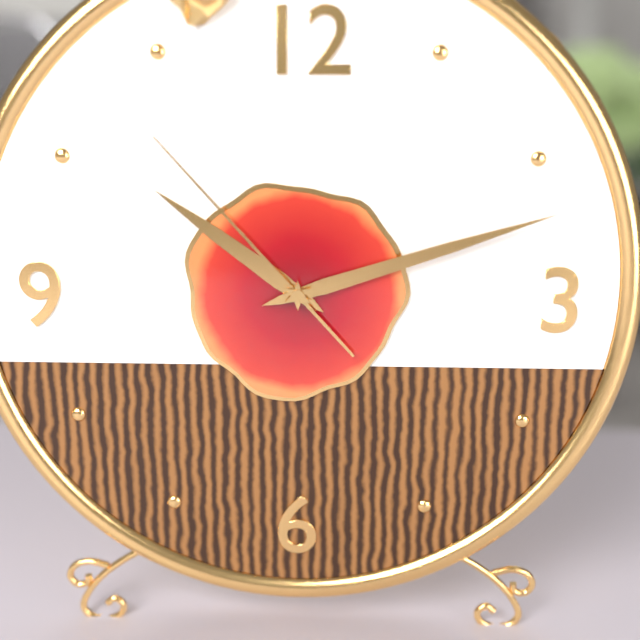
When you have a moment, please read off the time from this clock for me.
10:12:53
